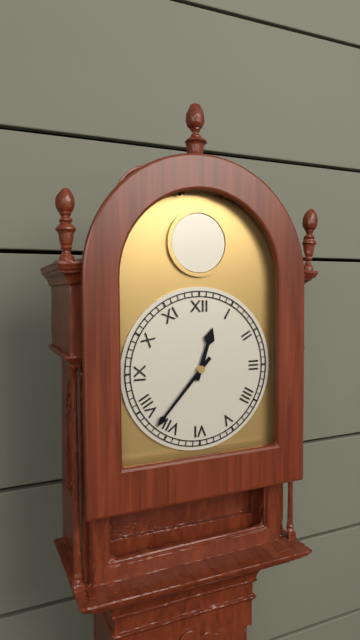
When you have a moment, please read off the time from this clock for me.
12:37
